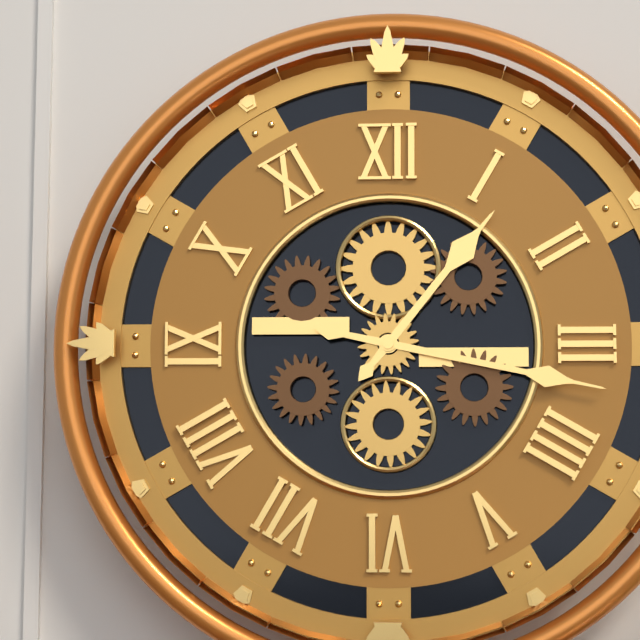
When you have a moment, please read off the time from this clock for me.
1:17
